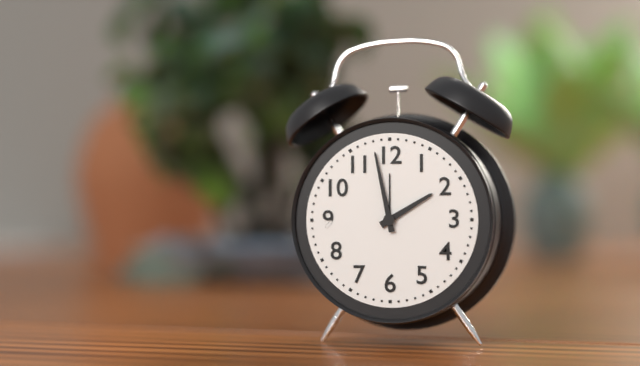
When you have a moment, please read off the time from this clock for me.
1:58
